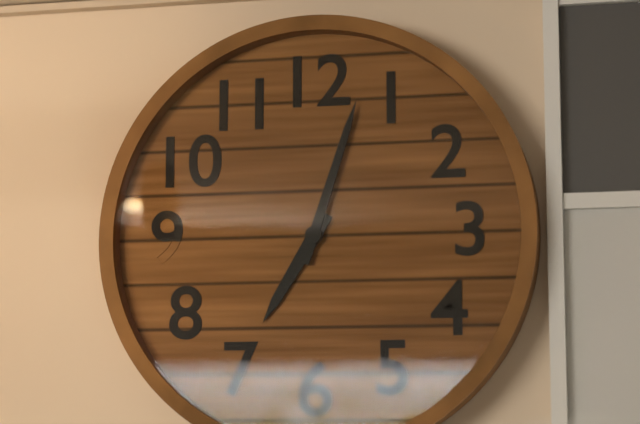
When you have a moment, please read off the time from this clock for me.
7:03
